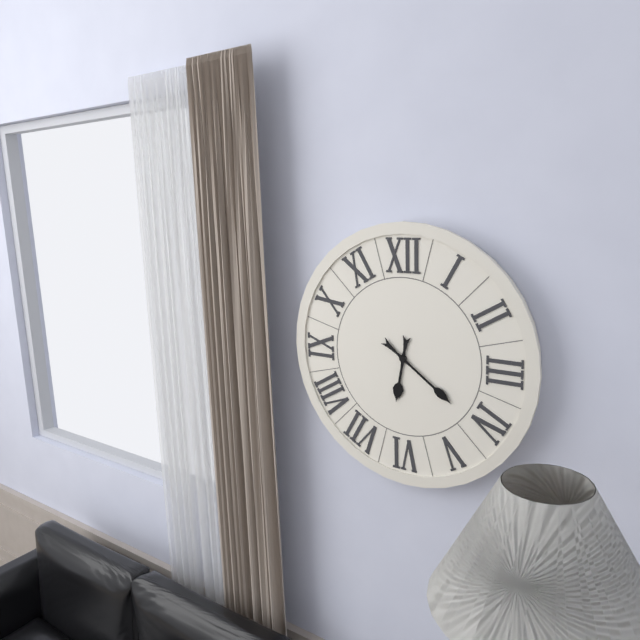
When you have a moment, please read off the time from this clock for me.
6:21
